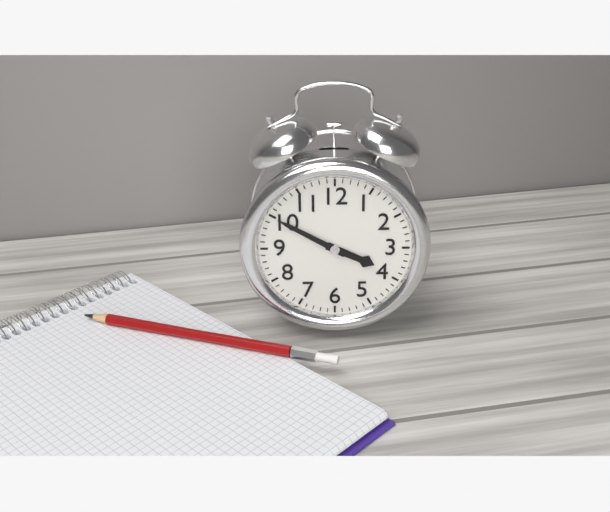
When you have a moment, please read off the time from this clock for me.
3:50
